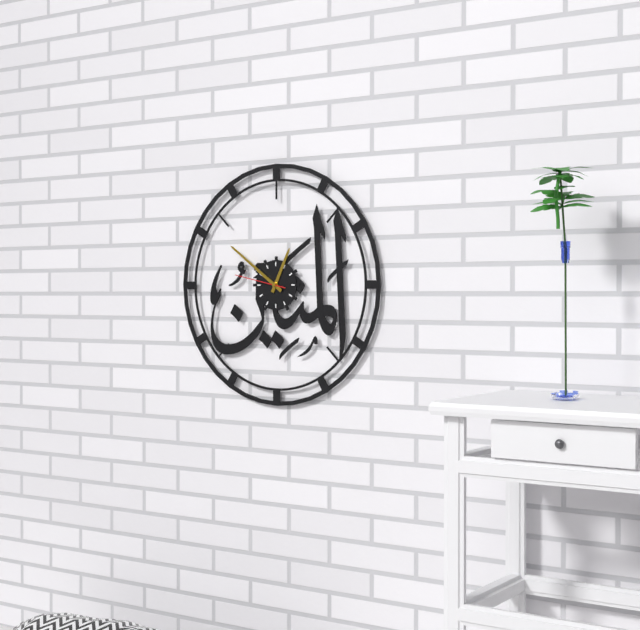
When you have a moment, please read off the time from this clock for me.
12:51:47
